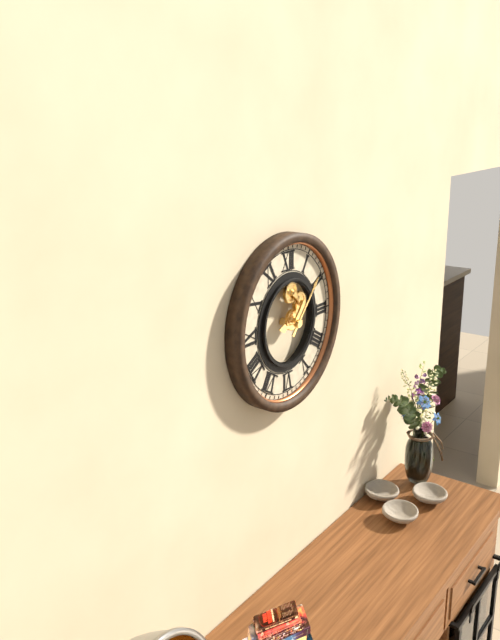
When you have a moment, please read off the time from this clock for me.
9:07
